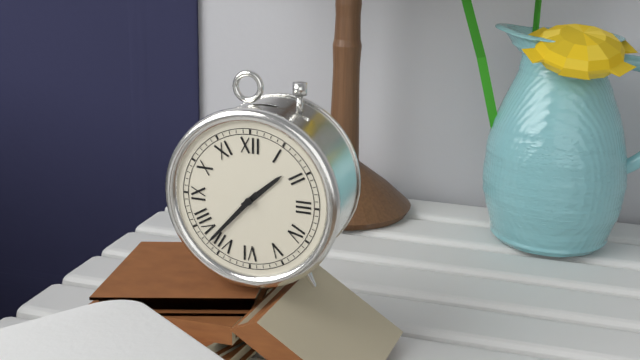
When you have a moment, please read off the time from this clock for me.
1:37
